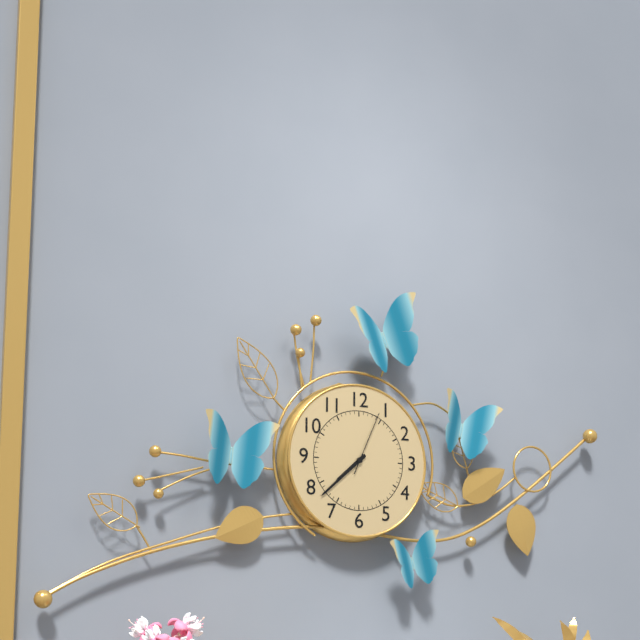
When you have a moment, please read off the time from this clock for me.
7:38:04
